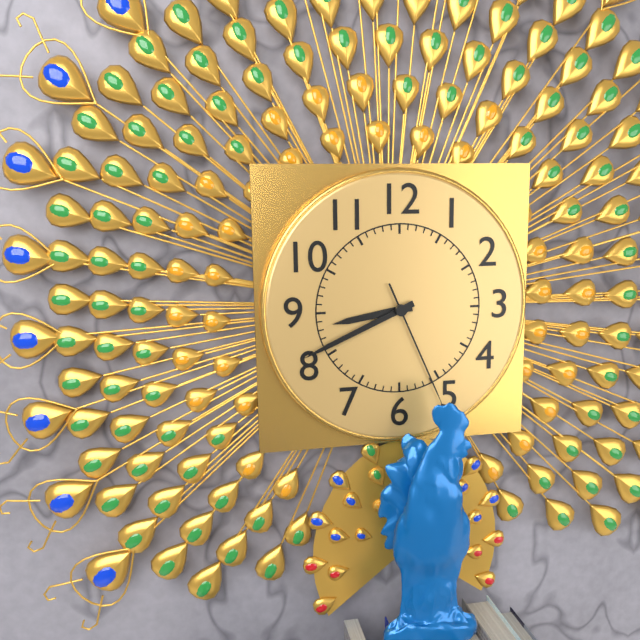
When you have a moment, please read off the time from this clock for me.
8:41:26
